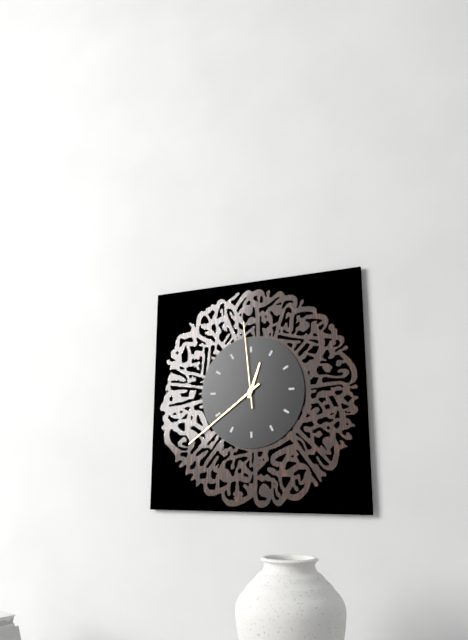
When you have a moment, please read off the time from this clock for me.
12:39:59
